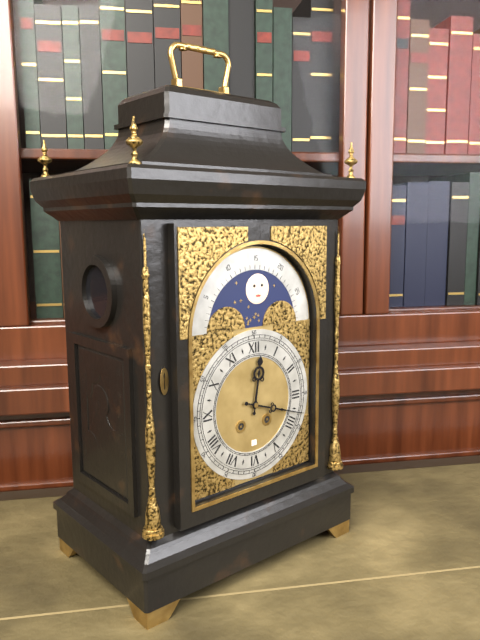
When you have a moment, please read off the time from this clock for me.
12:18
